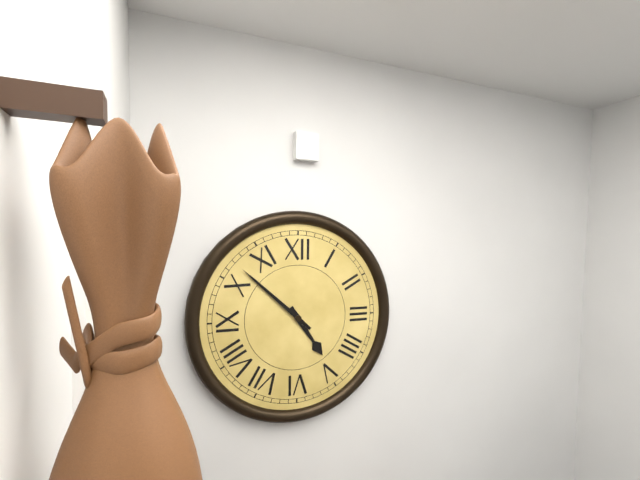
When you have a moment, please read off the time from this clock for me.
4:52
